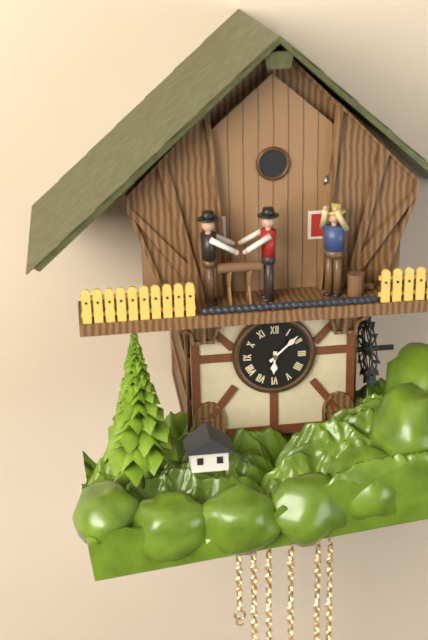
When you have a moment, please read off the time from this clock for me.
6:08
